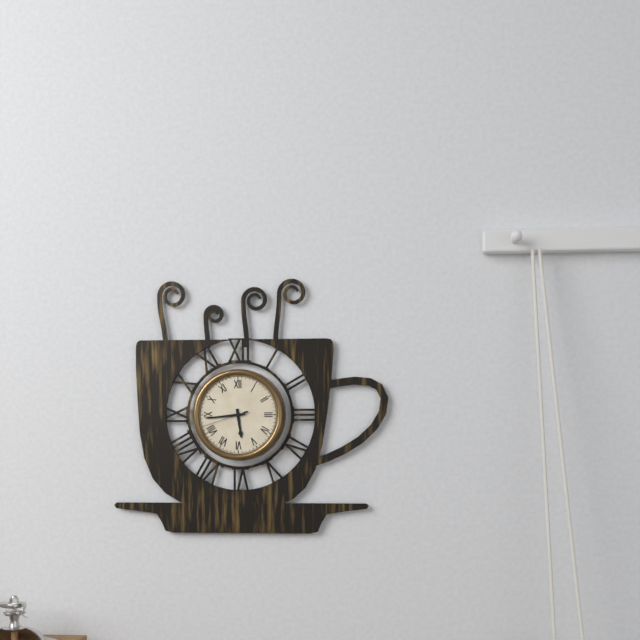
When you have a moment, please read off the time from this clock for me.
5:44
